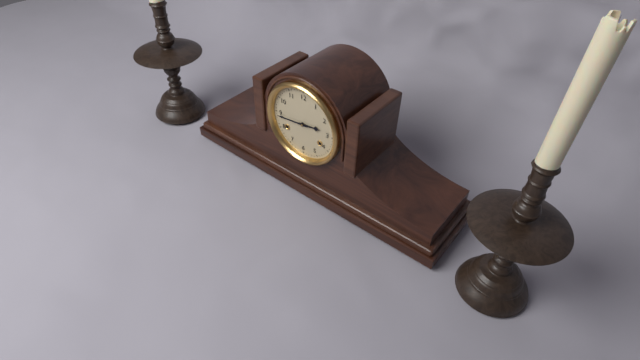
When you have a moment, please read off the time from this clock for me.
2:44
